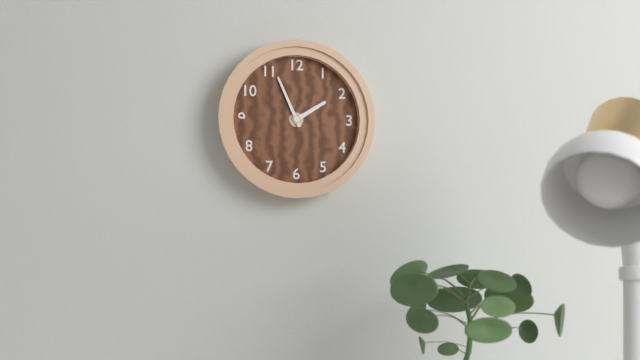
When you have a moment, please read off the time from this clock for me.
1:56
